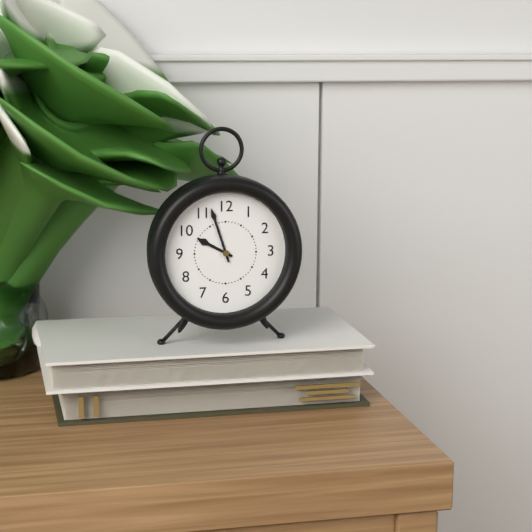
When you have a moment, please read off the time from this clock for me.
9:57
